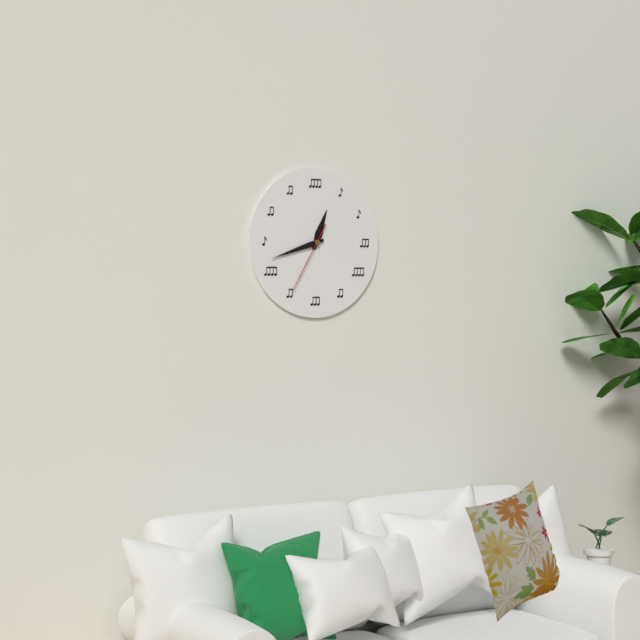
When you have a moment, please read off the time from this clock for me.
12:42:35
